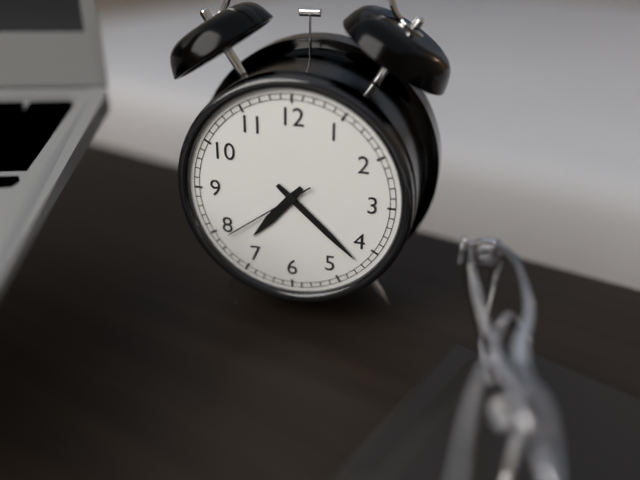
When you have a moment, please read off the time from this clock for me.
7:22:39
